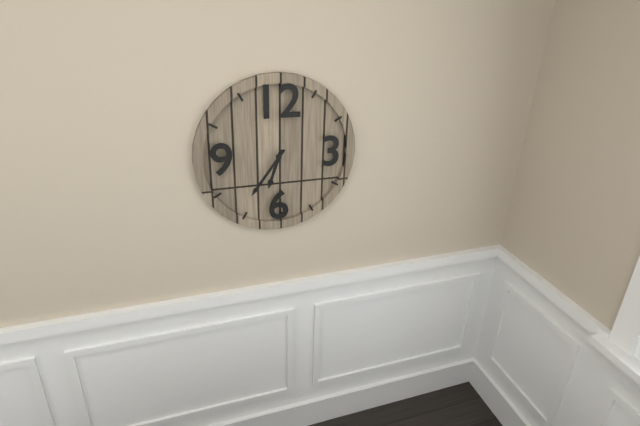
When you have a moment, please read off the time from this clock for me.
6:36
